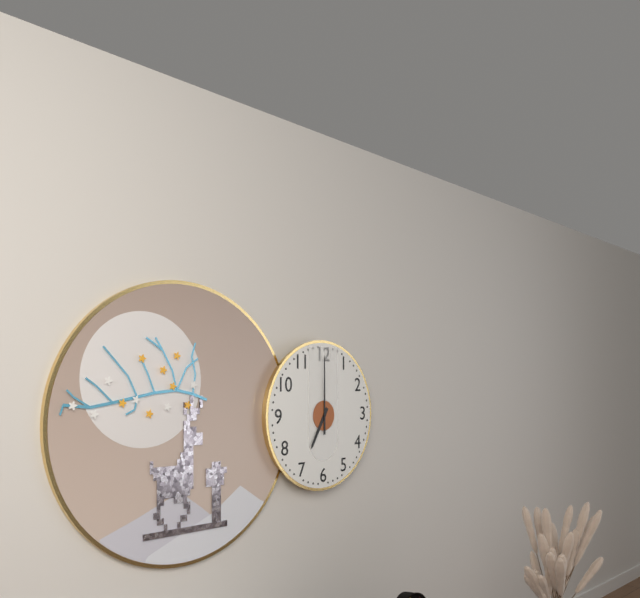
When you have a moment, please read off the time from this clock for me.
7:00
